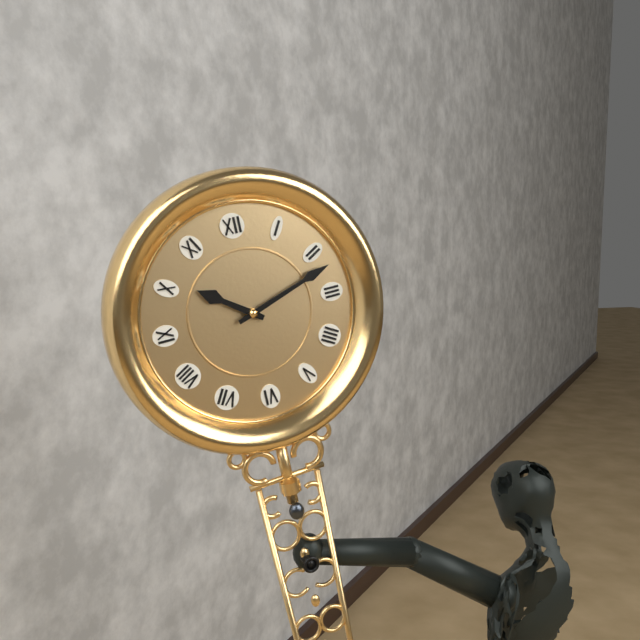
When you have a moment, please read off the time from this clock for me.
10:12
